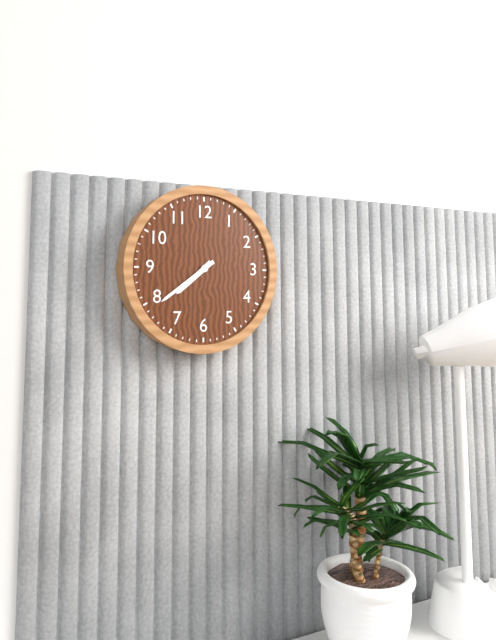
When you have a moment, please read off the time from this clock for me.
7:39
